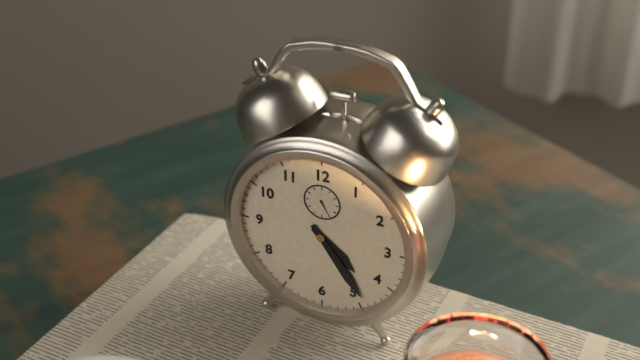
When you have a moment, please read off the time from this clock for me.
4:24
